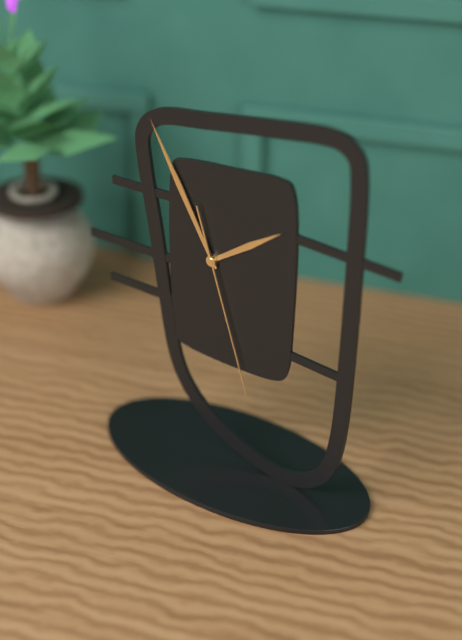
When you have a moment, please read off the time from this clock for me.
1:55:27
